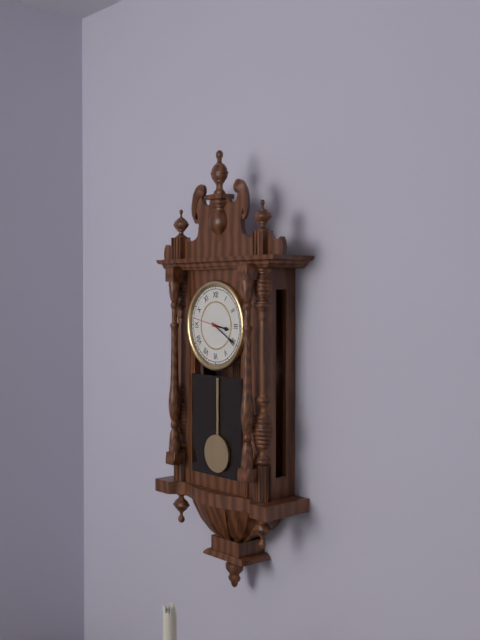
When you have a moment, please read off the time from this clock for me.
3:20
